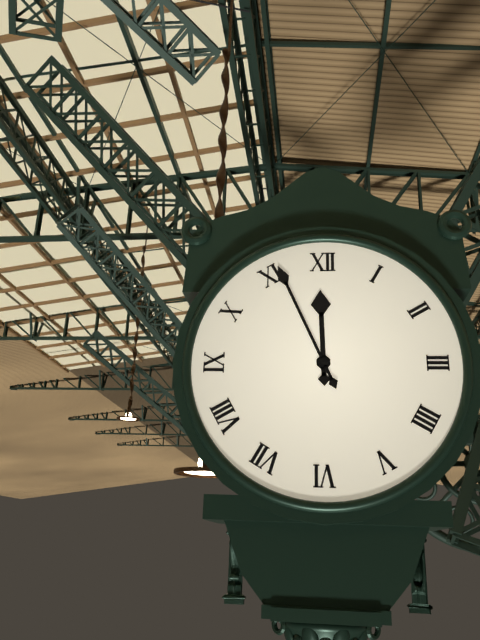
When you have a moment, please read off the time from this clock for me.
11:56
